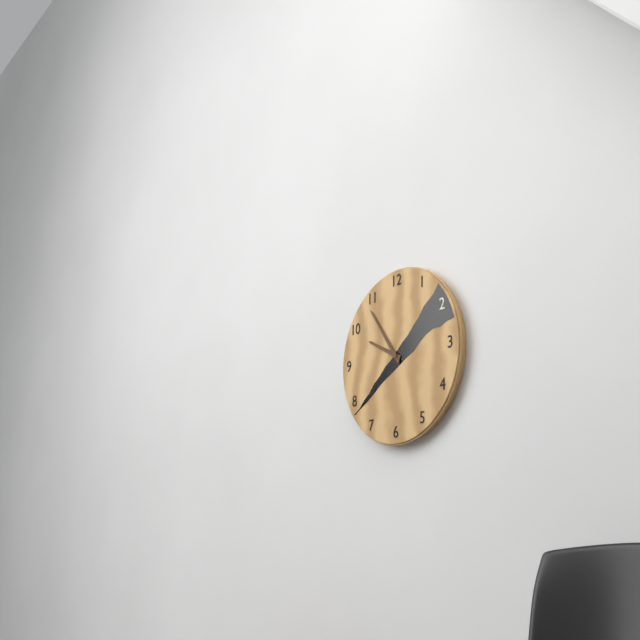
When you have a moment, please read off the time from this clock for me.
9:54
